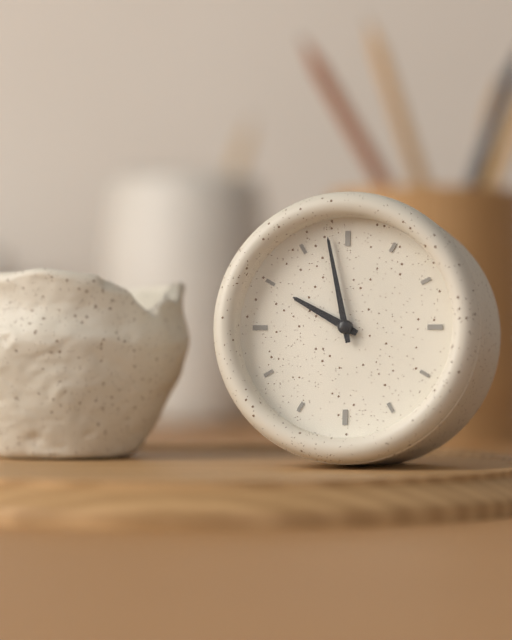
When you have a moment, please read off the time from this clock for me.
9:58
